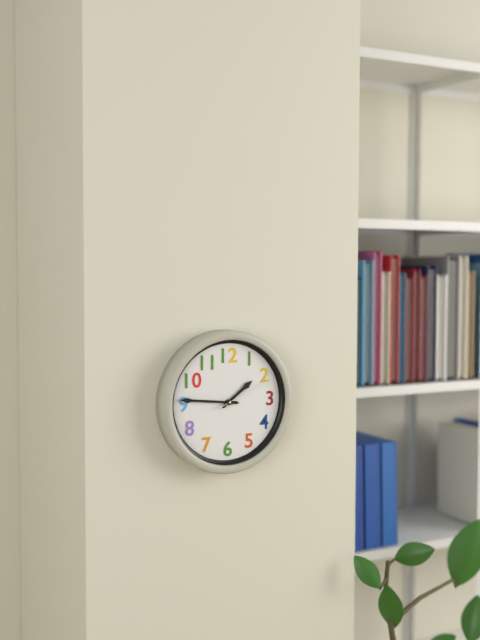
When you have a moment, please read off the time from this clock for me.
1:46:11
